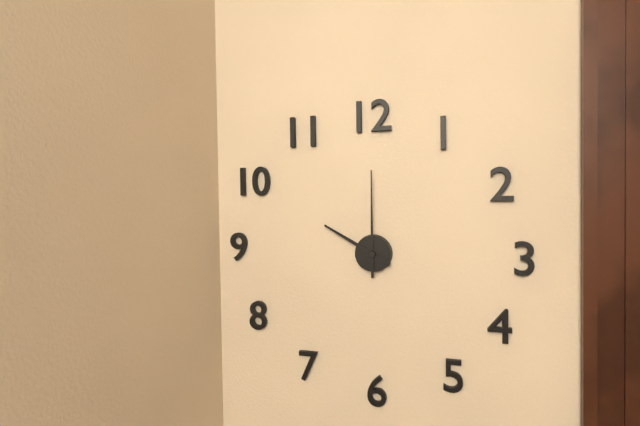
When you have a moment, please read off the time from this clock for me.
10:00
